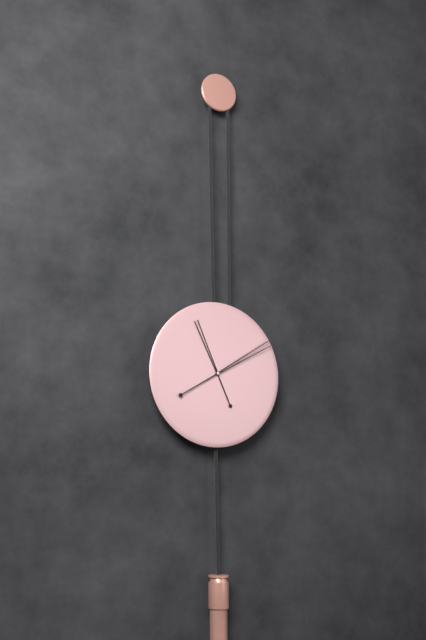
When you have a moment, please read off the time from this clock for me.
11:10
